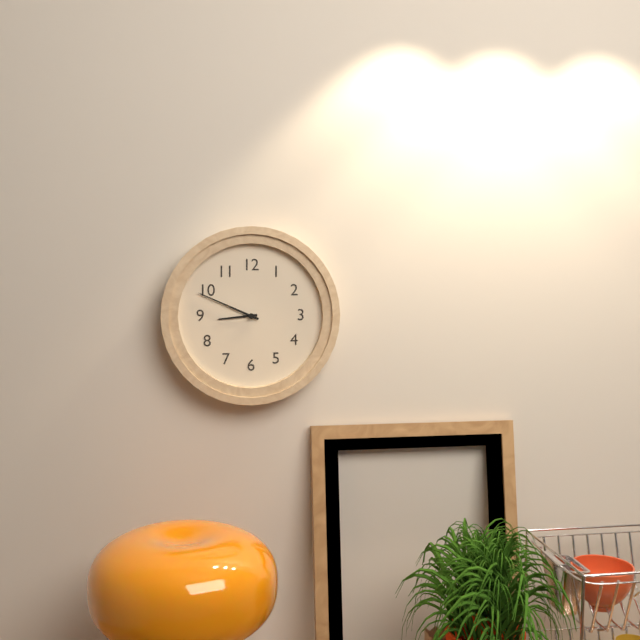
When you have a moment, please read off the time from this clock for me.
8:49
